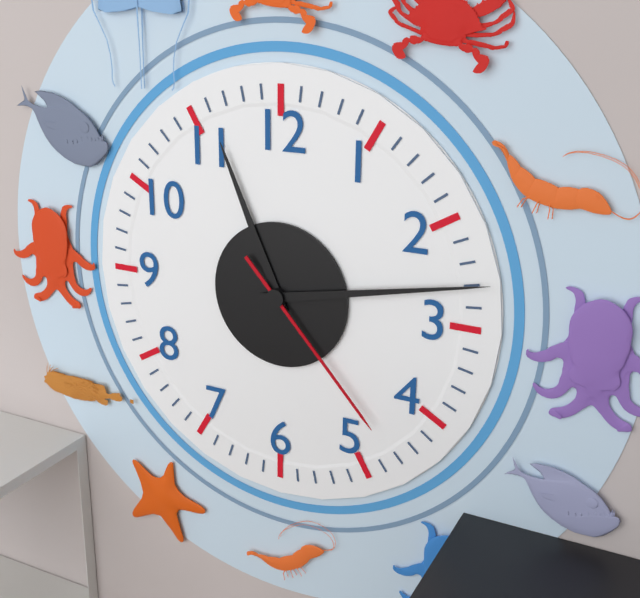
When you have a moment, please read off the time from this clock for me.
11:13:23
